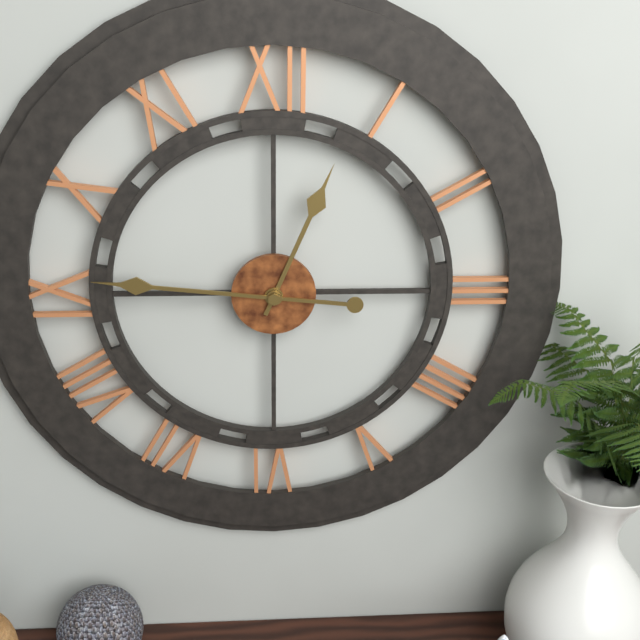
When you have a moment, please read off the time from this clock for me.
12:46
